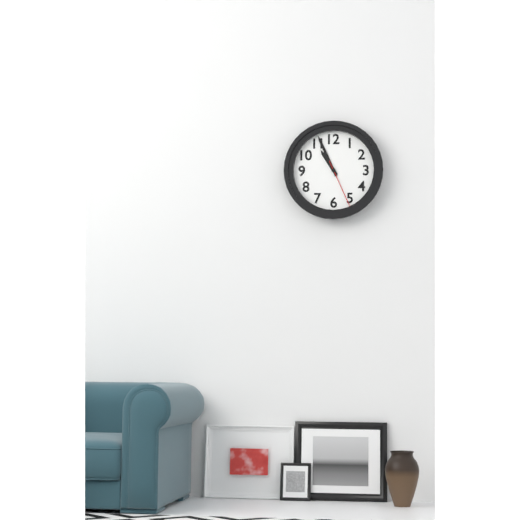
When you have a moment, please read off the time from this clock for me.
10:56:26
